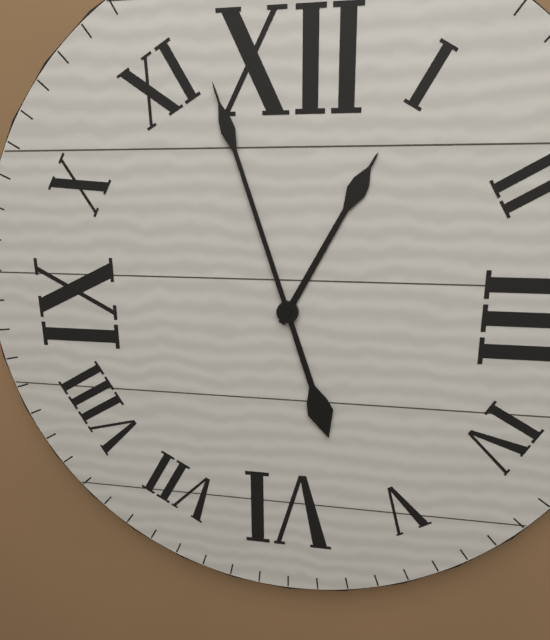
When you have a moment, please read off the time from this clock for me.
12:57
